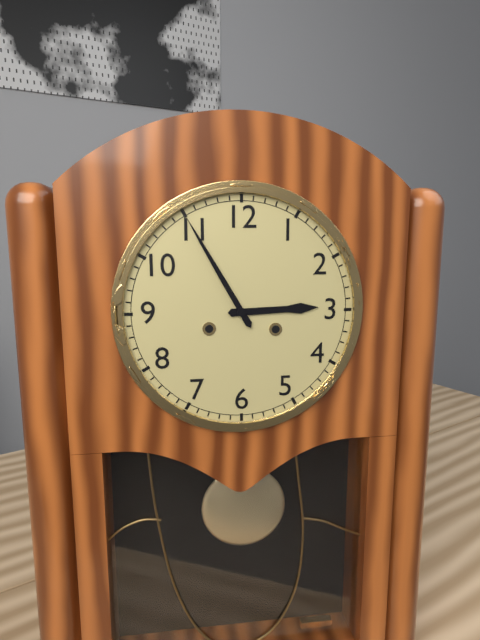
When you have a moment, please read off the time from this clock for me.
2:55
